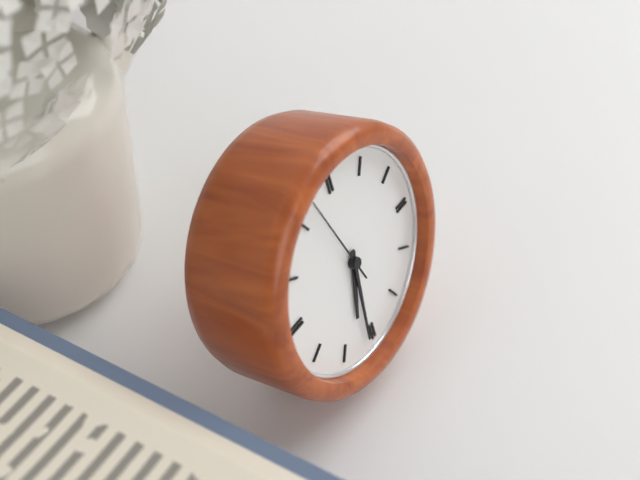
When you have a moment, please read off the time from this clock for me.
6:31:57
